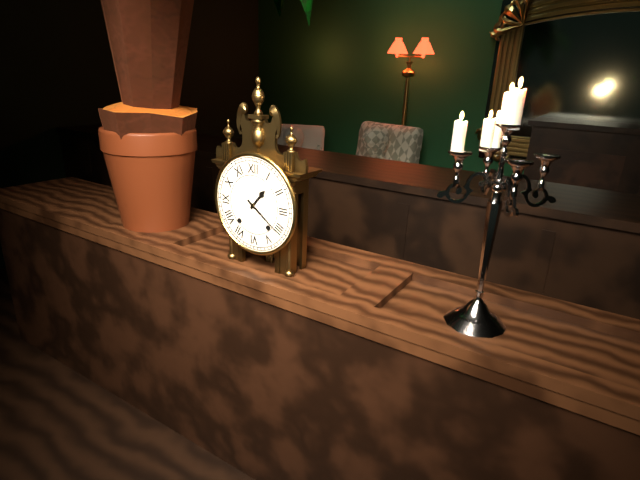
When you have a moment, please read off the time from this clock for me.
1:21
